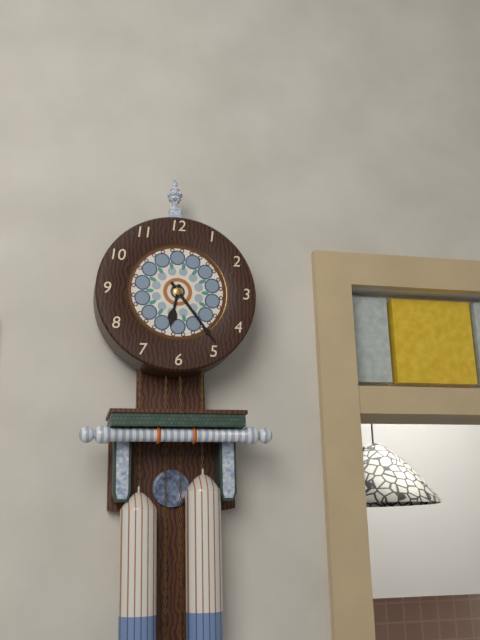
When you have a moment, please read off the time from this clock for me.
6:24
